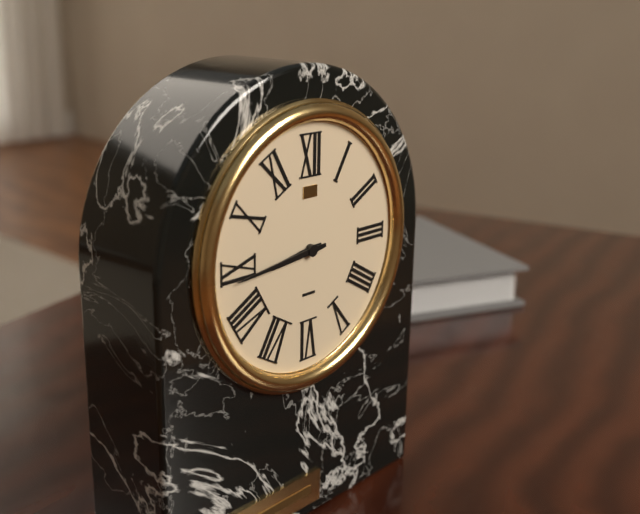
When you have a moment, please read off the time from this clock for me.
8:44
